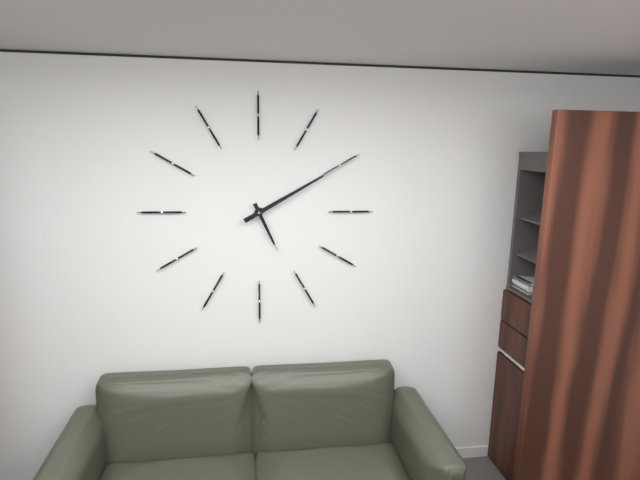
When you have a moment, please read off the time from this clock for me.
5:10
